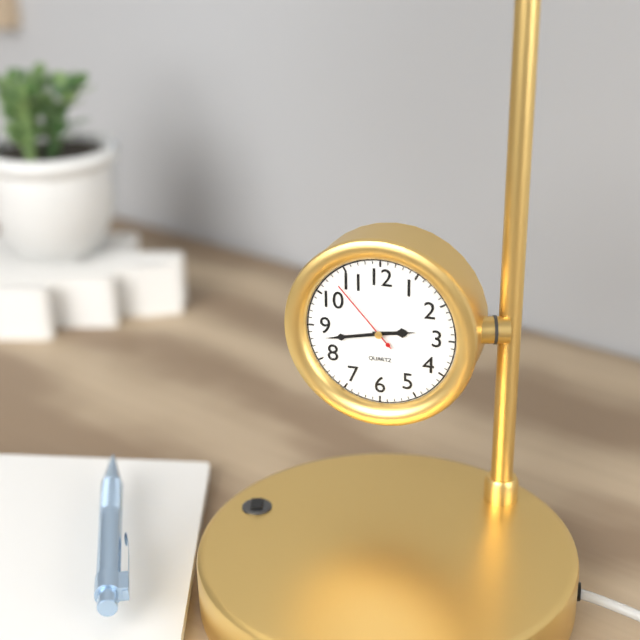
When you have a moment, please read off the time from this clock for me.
2:43:53
